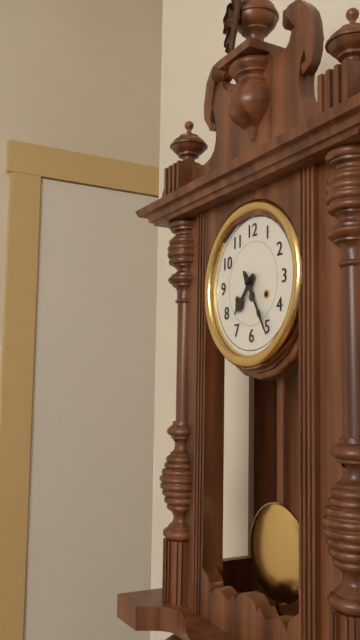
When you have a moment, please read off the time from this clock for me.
7:25
